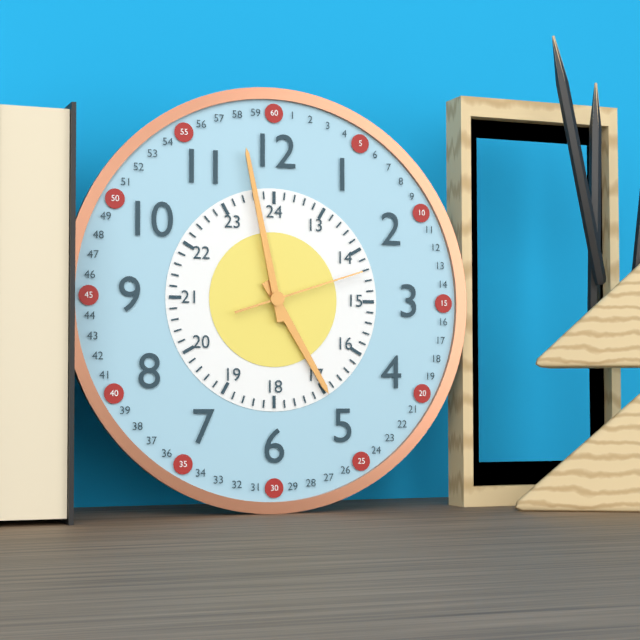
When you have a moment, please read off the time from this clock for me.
4:58:12
